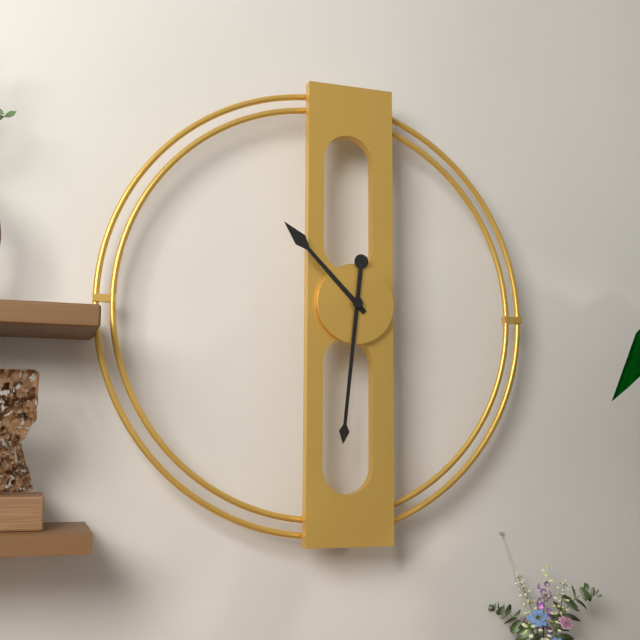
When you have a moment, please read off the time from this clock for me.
10:31
